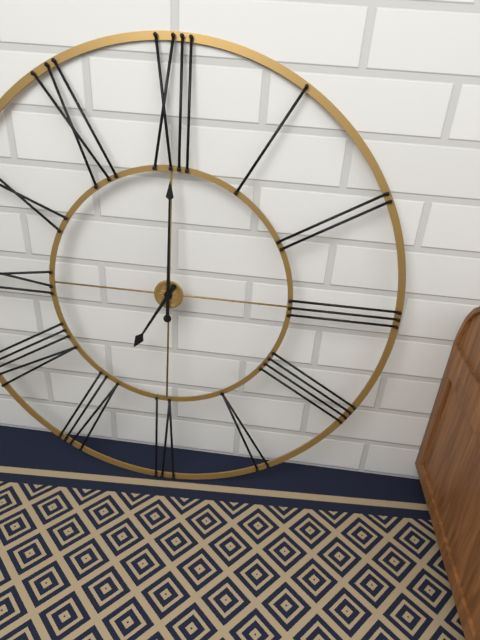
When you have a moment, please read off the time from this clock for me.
7:00
